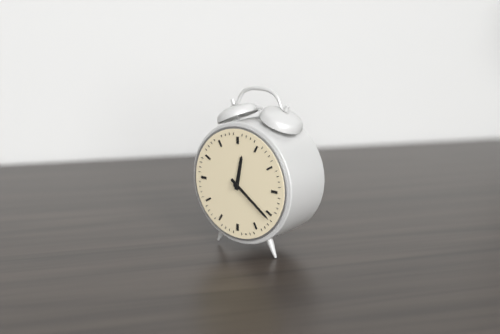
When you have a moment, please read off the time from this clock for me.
12:21
